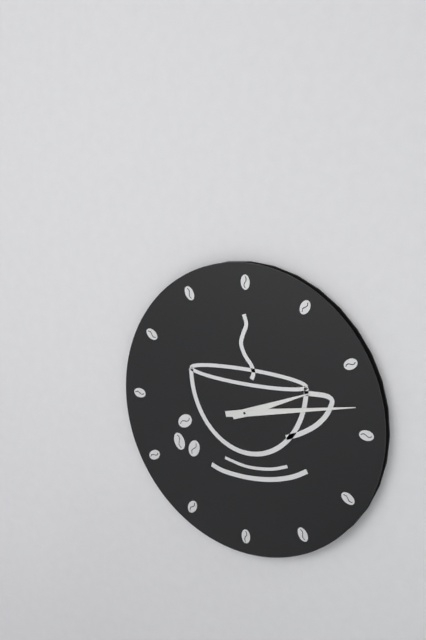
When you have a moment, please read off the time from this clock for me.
2:13
